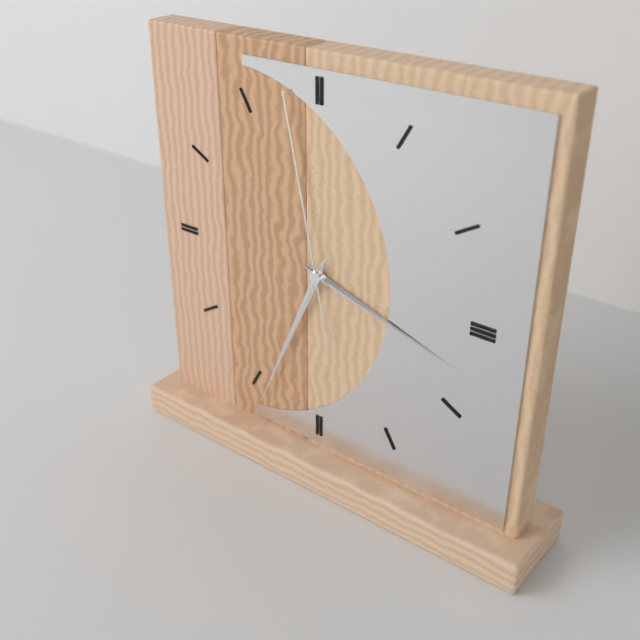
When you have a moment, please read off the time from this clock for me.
3:34:58
